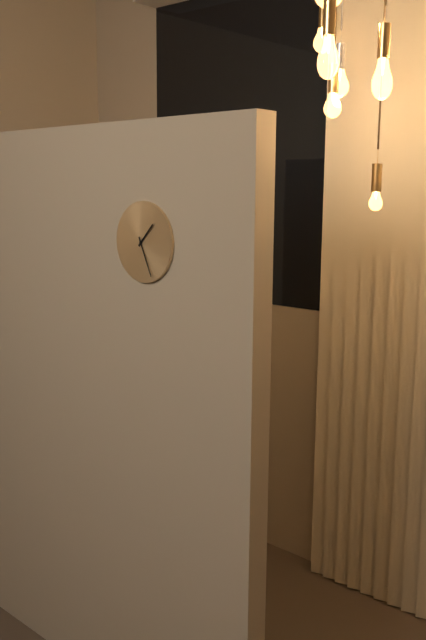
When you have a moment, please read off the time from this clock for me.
1:26
